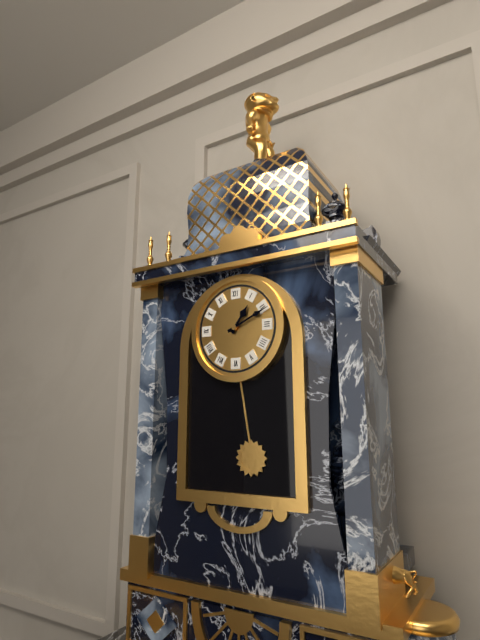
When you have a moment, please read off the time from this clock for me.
1:11
